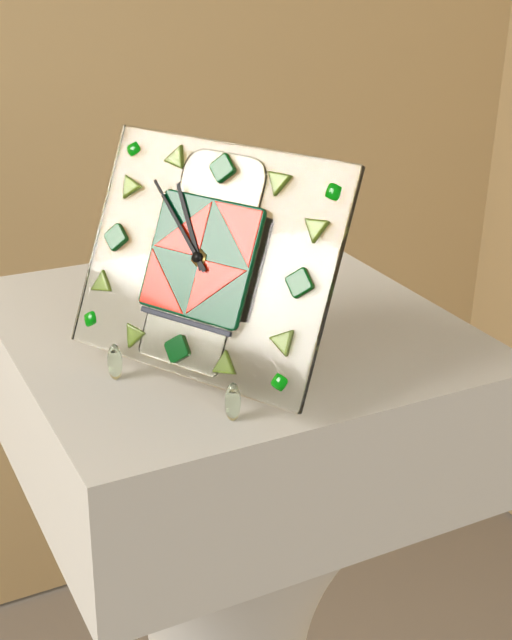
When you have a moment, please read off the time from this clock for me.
10:52
